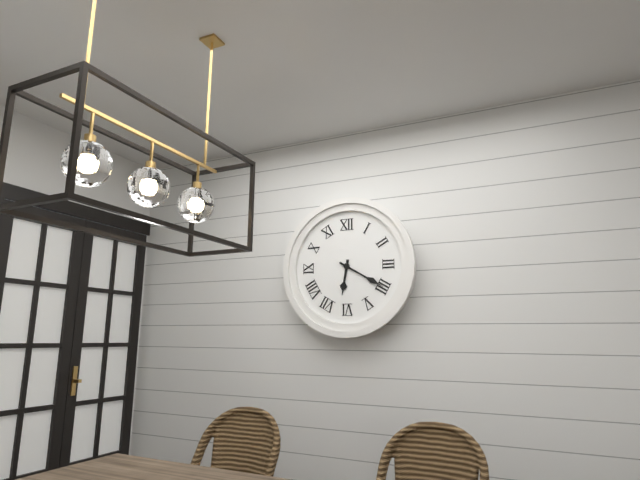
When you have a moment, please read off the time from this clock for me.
6:20
